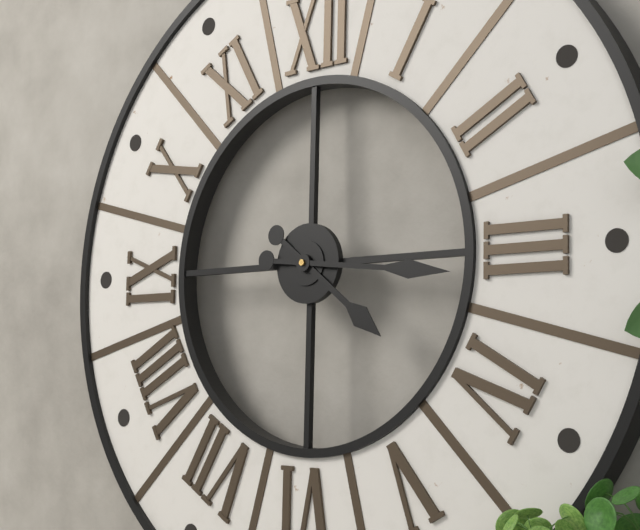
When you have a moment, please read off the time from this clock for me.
4:16
